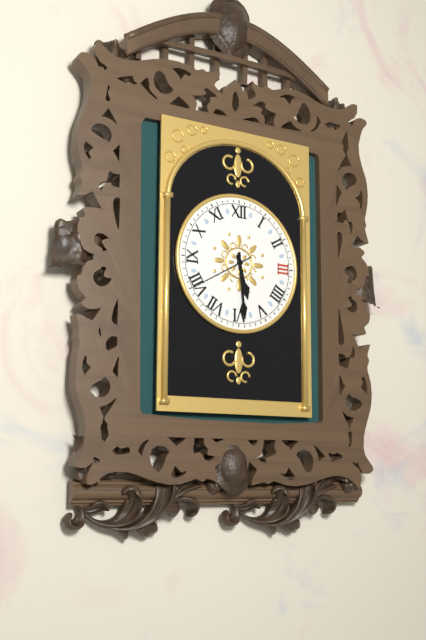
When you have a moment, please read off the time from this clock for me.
5:29:40
